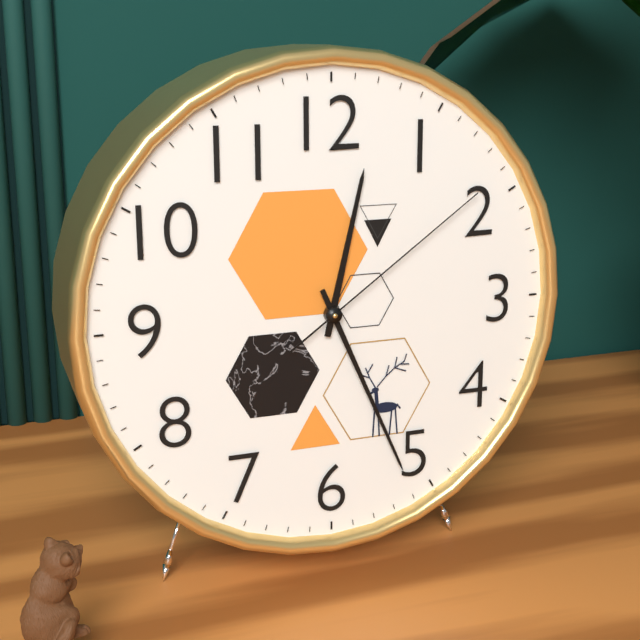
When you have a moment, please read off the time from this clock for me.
12:26:09
